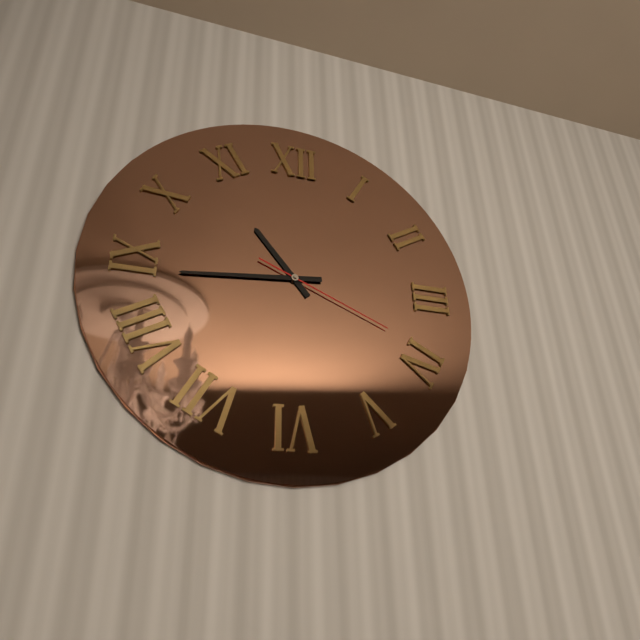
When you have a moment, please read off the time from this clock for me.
10:44:19
